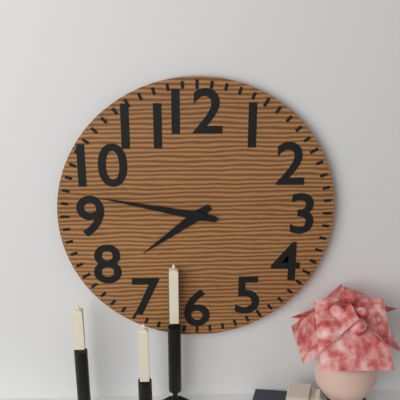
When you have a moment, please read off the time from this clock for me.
7:47
